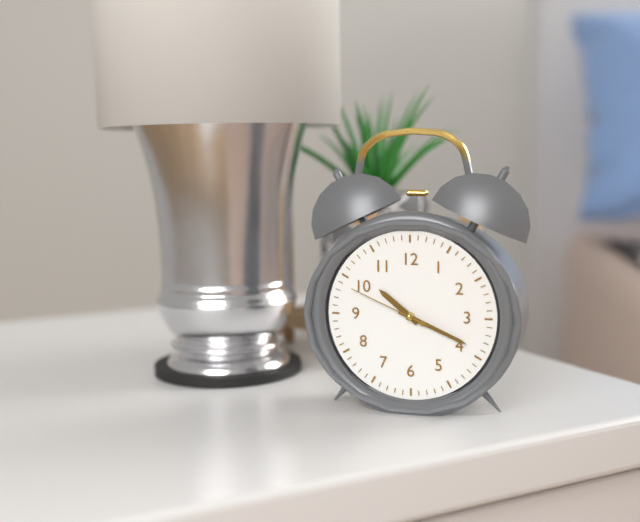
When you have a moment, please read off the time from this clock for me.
10:19:49
